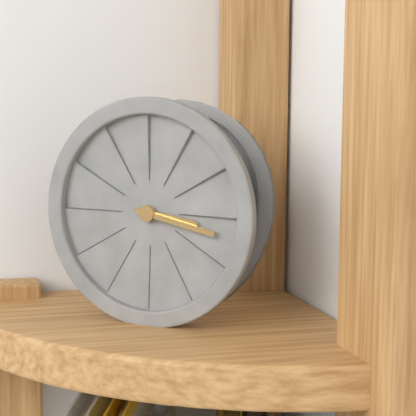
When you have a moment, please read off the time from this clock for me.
3:17
